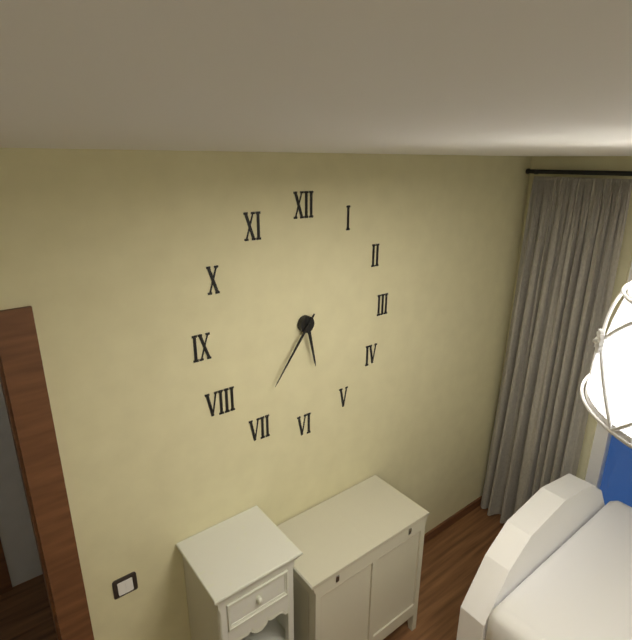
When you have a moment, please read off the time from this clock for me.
5:36
